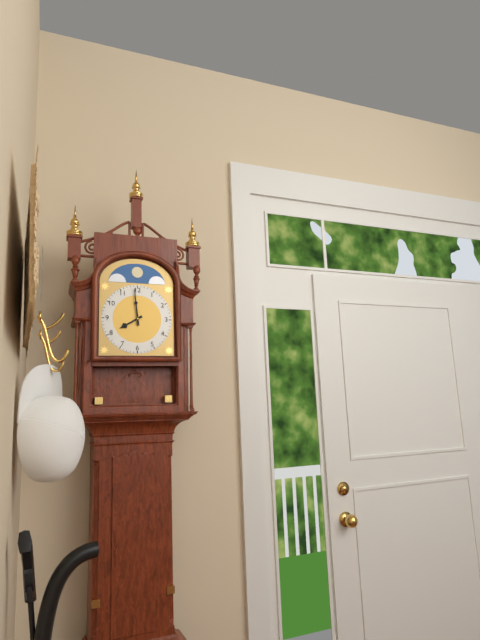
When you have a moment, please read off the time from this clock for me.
7:59
